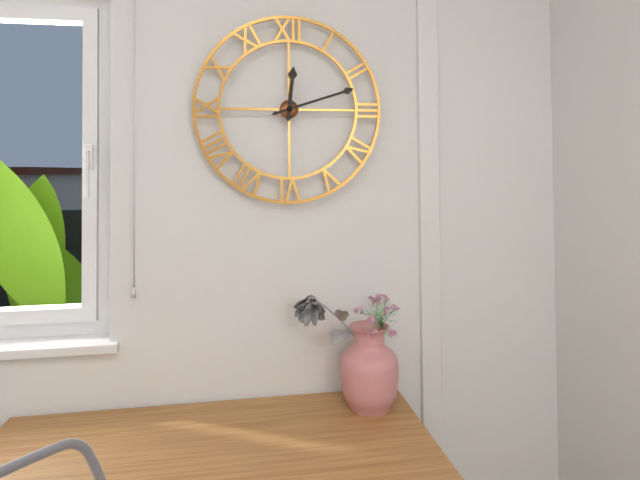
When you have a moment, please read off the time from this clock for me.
12:12
